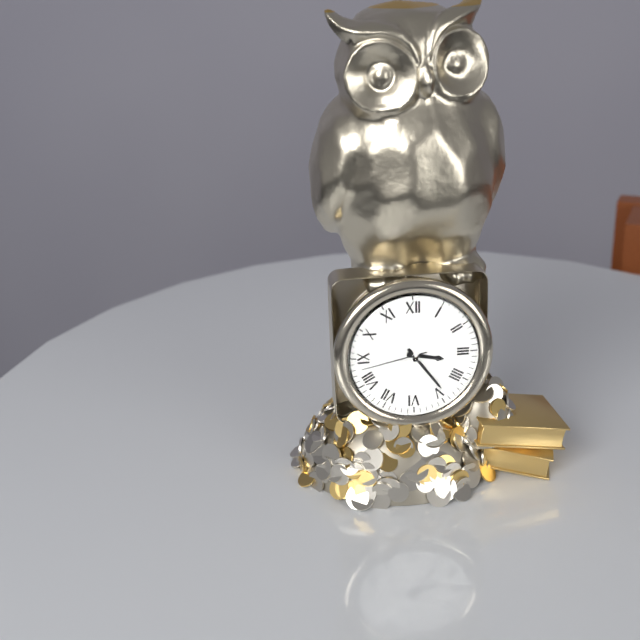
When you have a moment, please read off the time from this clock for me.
3:24:43
